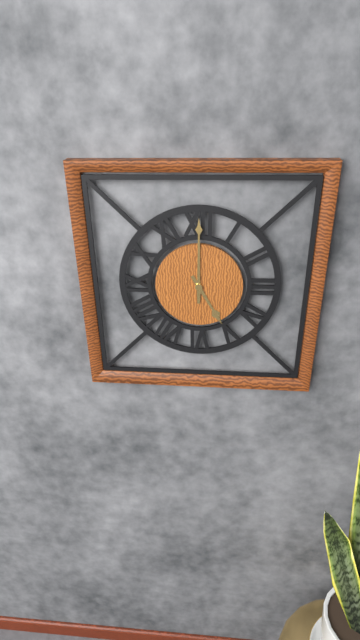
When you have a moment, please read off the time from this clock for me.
5:00
